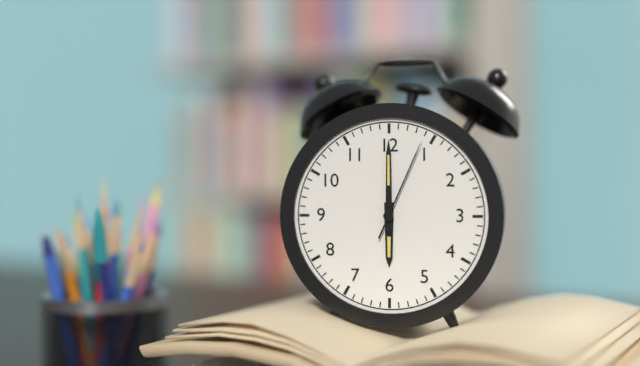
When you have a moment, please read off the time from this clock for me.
6:00:04
